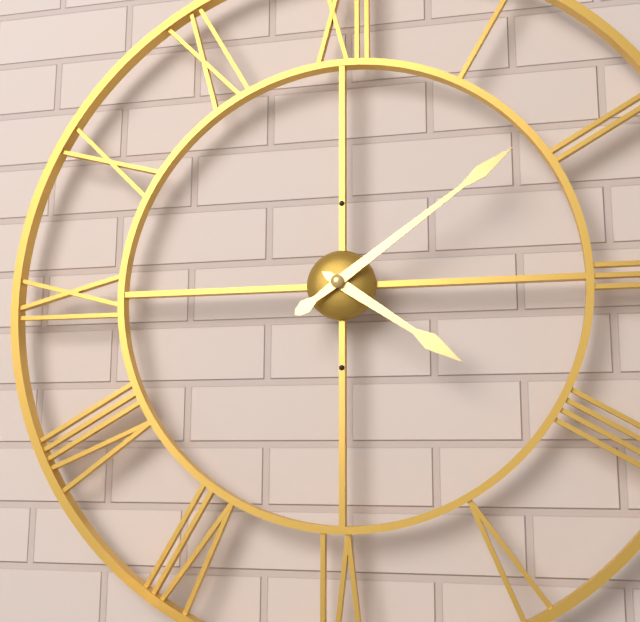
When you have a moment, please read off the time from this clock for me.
4:09
